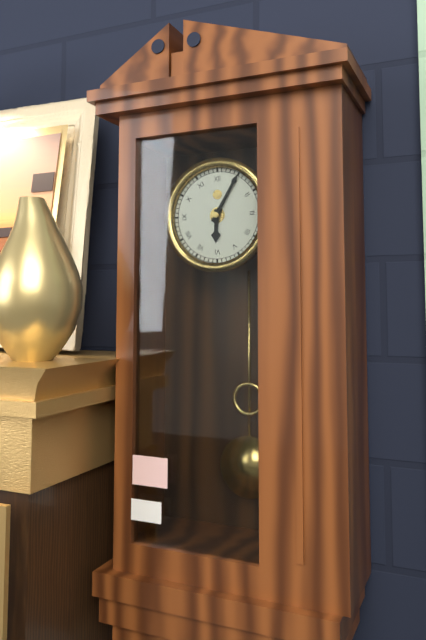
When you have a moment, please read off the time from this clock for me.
6:05
